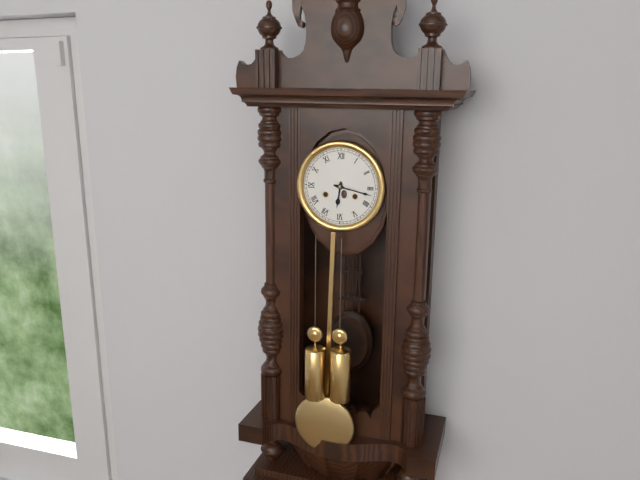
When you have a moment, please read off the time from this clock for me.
6:17
